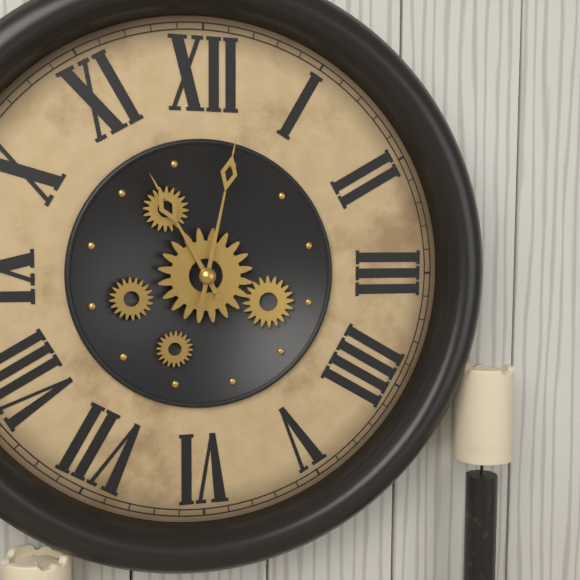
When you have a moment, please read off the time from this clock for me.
11:02
